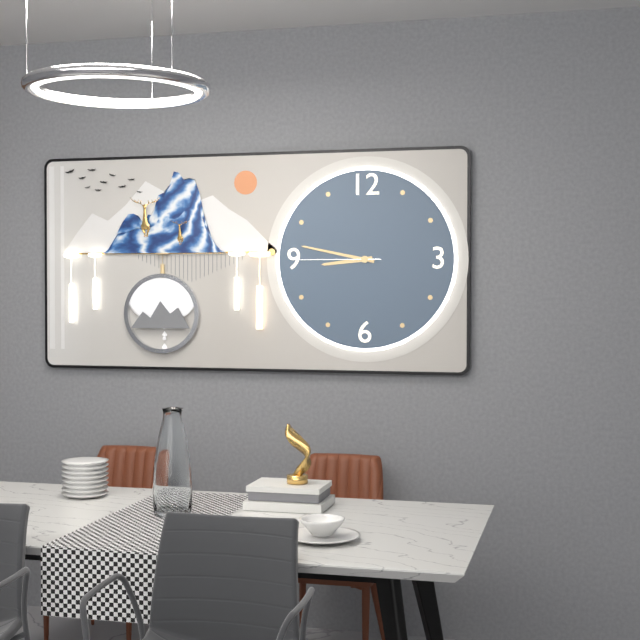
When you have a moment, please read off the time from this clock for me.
8:47:45
